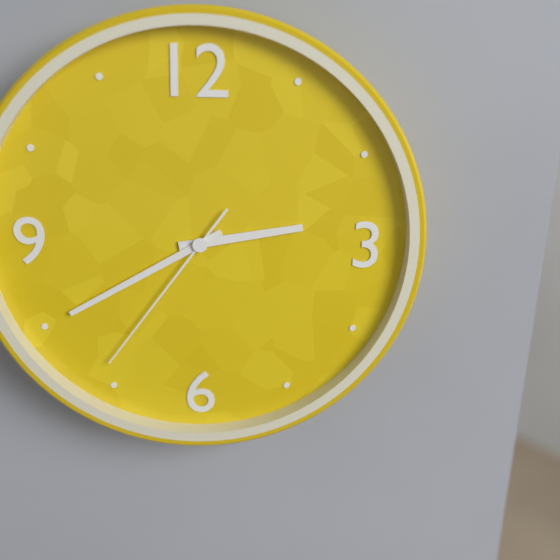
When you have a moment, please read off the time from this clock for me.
2:40:36
